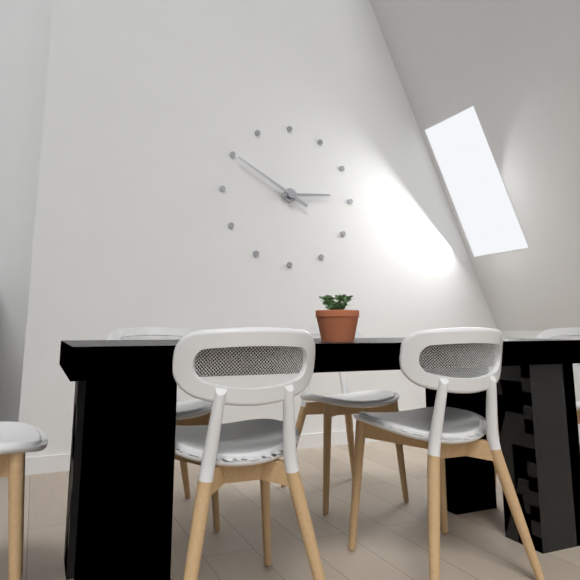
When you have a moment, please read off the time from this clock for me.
2:50
